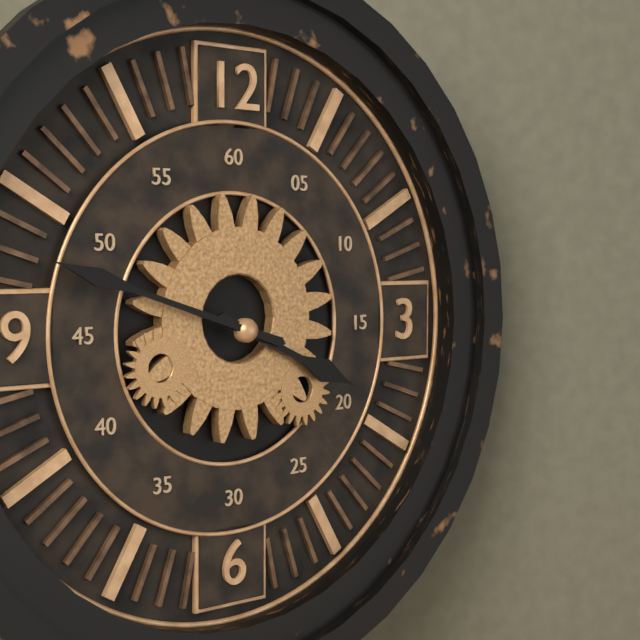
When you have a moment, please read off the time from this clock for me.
3:48
